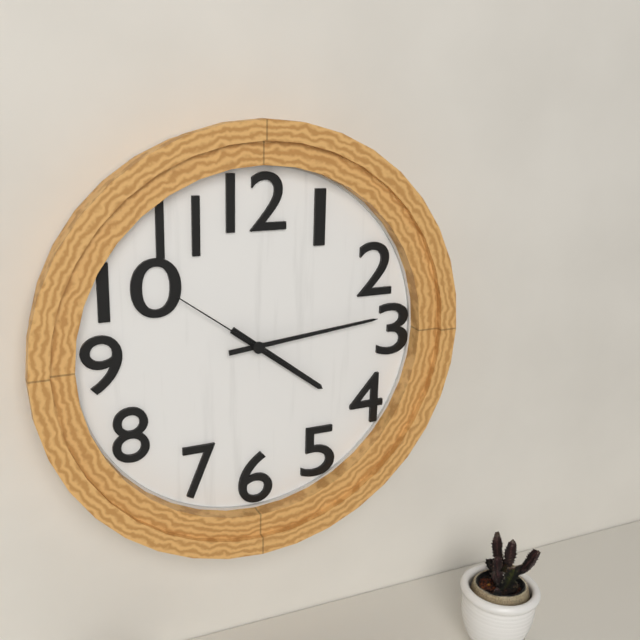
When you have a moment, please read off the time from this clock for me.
4:14:51
